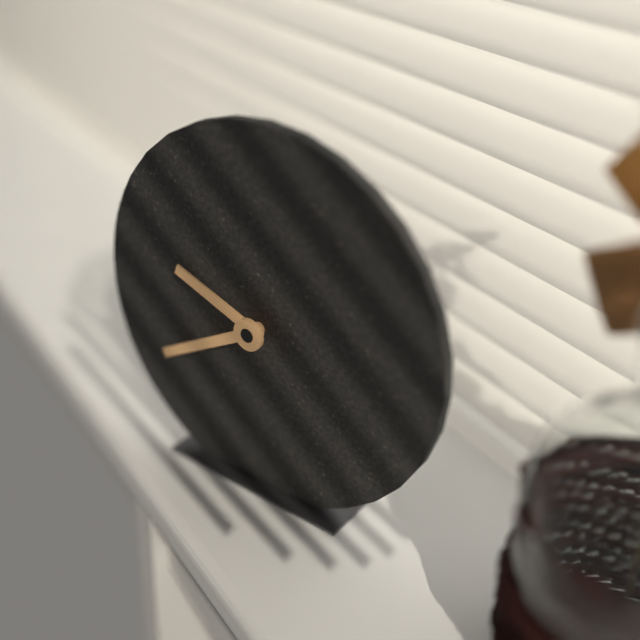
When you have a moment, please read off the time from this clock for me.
9:40
